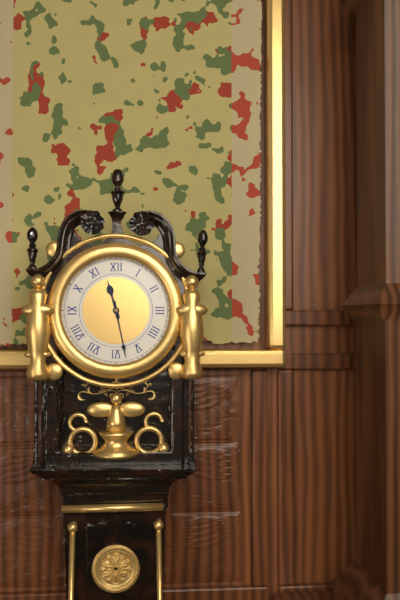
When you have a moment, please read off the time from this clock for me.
11:28
